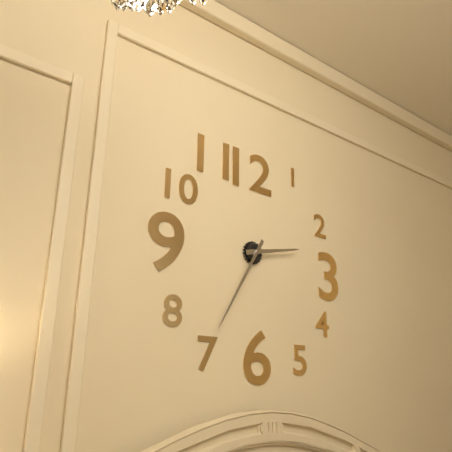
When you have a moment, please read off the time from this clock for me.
2:35
